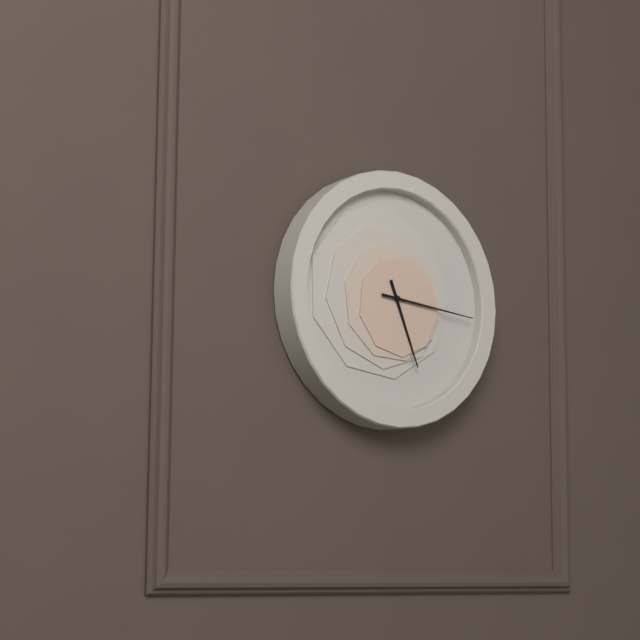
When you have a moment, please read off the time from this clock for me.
5:16
